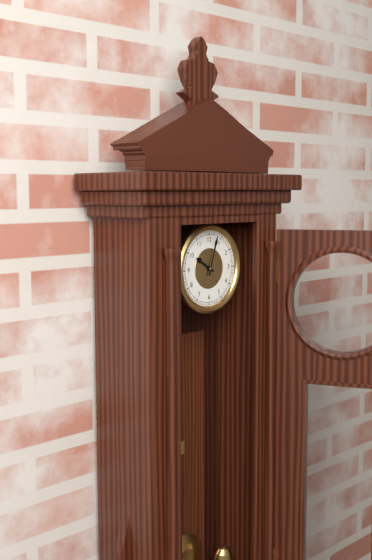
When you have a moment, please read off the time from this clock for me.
10:03
